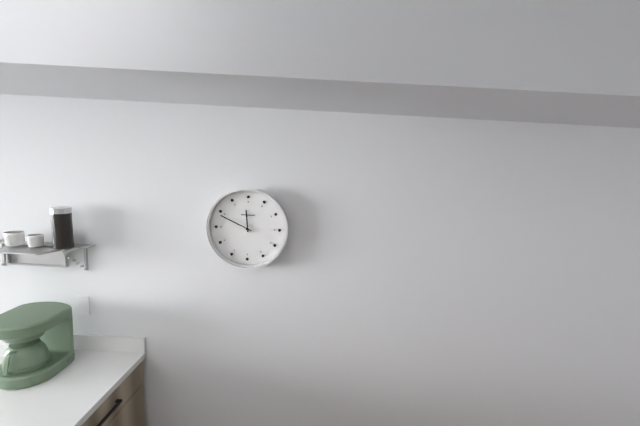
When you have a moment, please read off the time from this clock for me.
11:49
